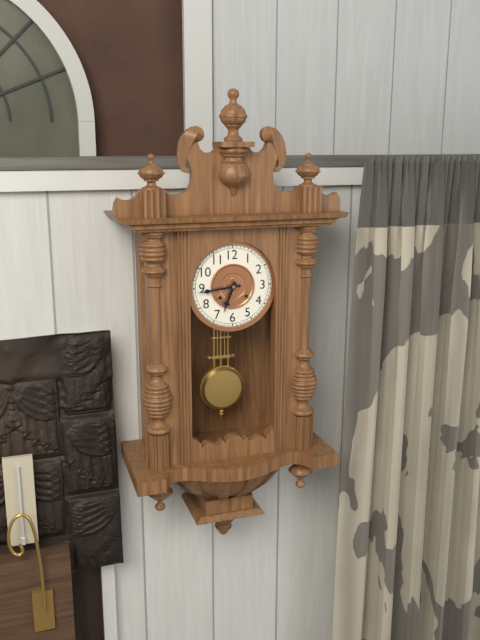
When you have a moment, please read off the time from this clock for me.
6:44
